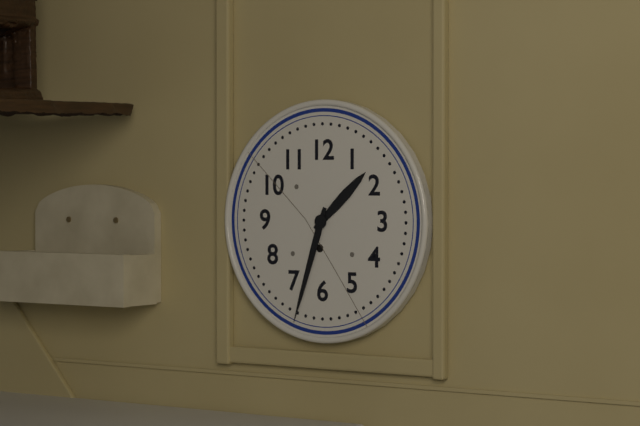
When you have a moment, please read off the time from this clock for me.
1:33
